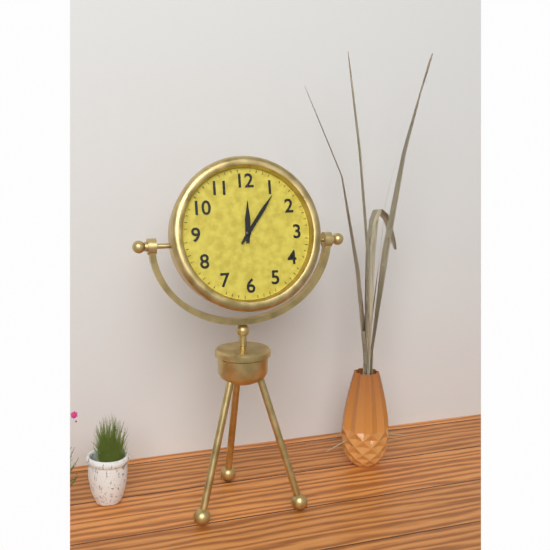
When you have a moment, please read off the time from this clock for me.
12:06
